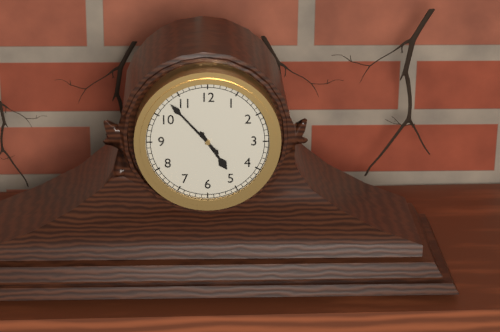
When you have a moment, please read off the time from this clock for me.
4:53
